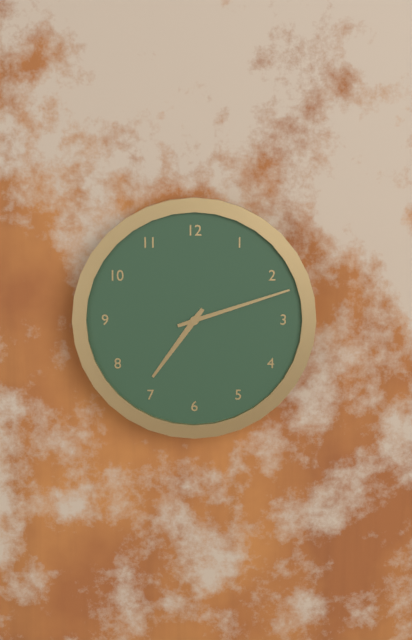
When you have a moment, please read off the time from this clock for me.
7:12
